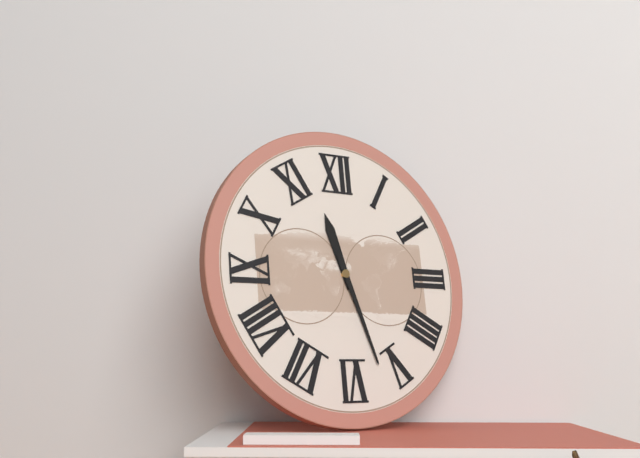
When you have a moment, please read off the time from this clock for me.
11:27
